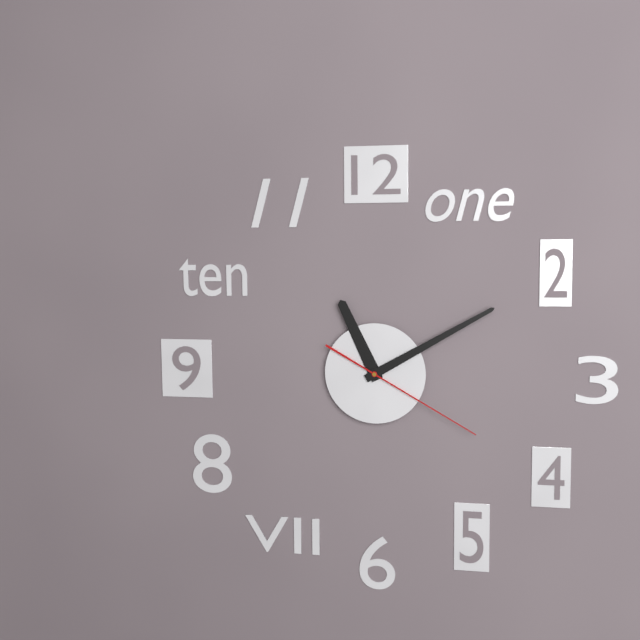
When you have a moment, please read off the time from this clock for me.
11:10:20
